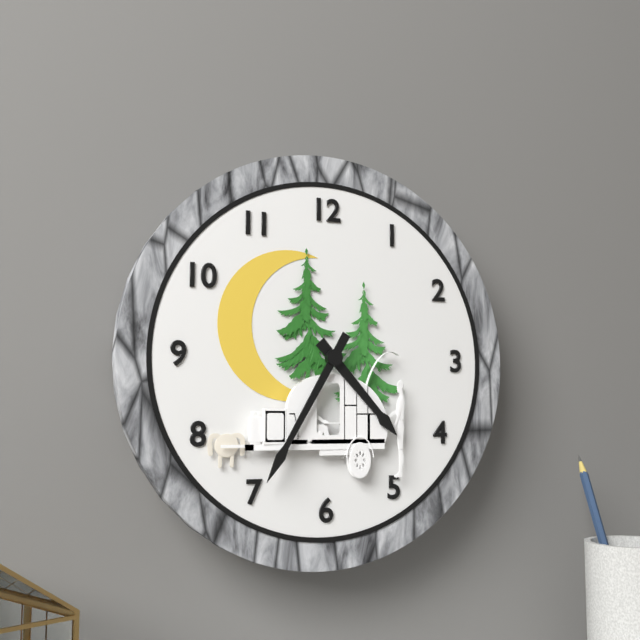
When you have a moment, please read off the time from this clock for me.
4:35
